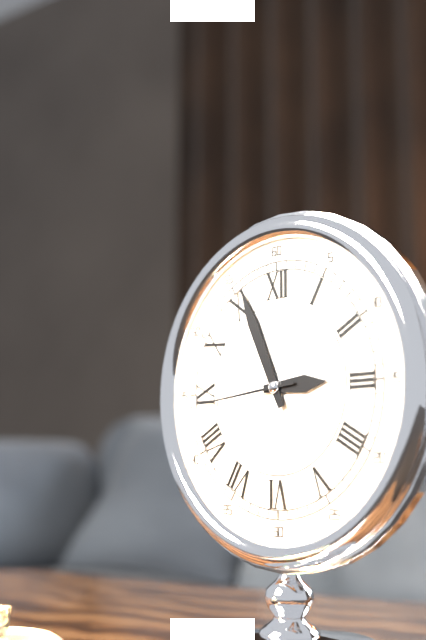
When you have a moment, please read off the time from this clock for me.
2:56:44
